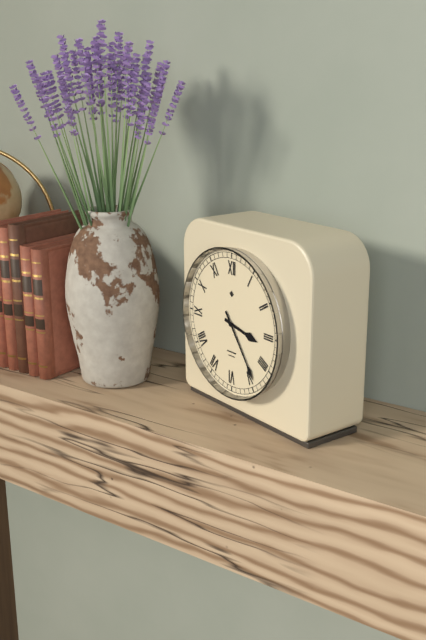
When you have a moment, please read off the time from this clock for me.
3:24
